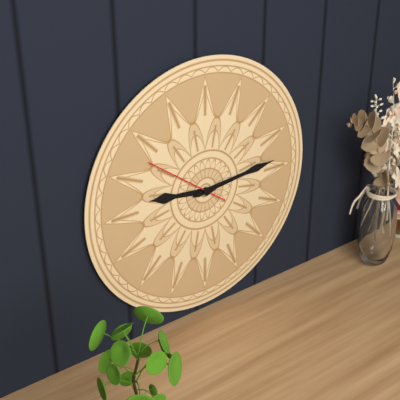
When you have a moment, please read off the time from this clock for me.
9:14:51
